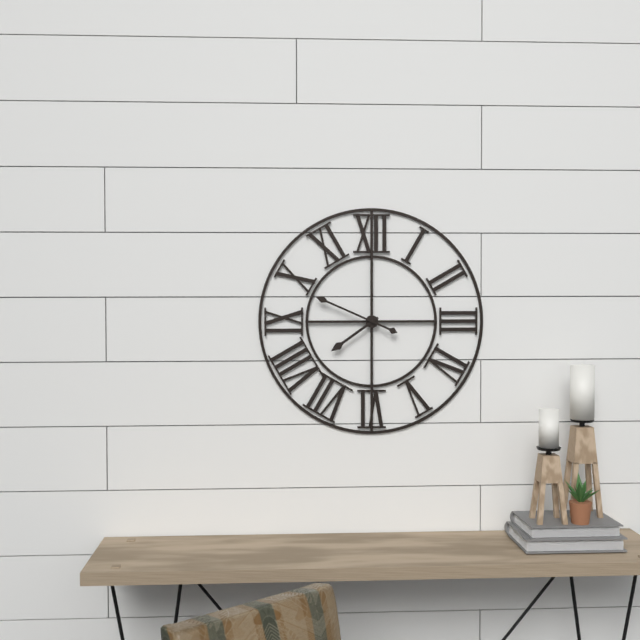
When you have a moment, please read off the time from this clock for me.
7:49
